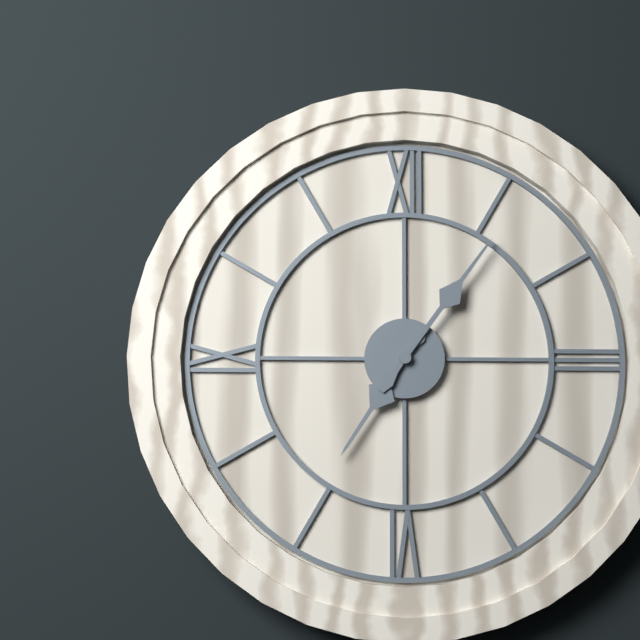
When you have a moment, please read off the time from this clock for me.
7:06
